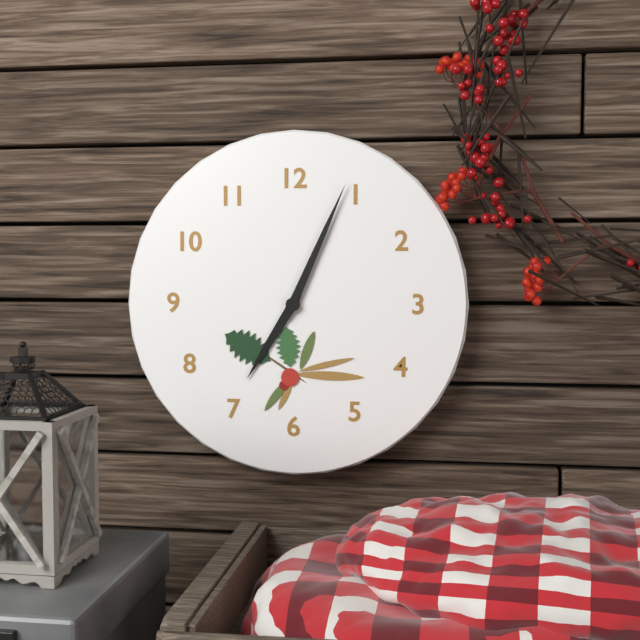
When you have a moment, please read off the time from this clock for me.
7:04
